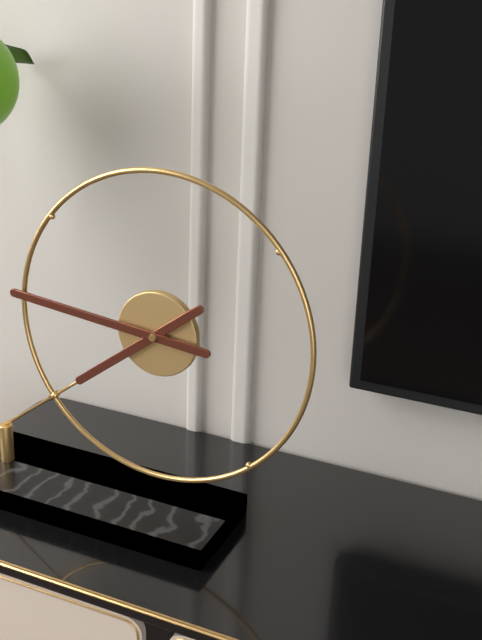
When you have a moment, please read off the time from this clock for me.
7:46
